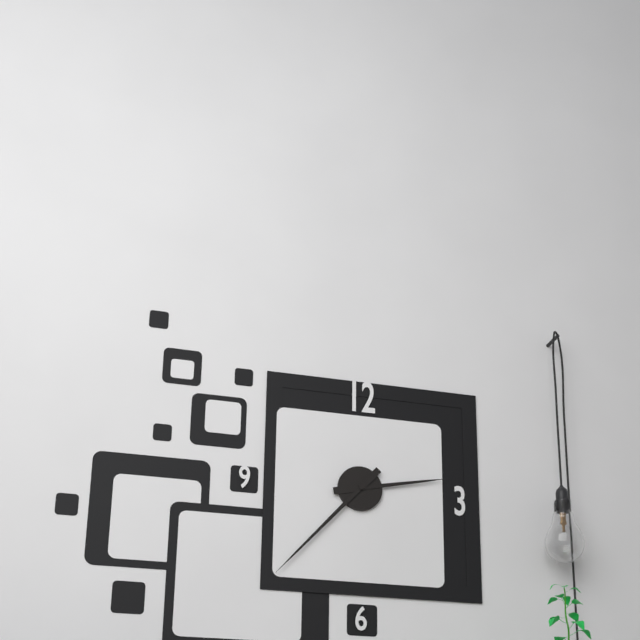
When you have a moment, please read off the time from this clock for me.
2:37
